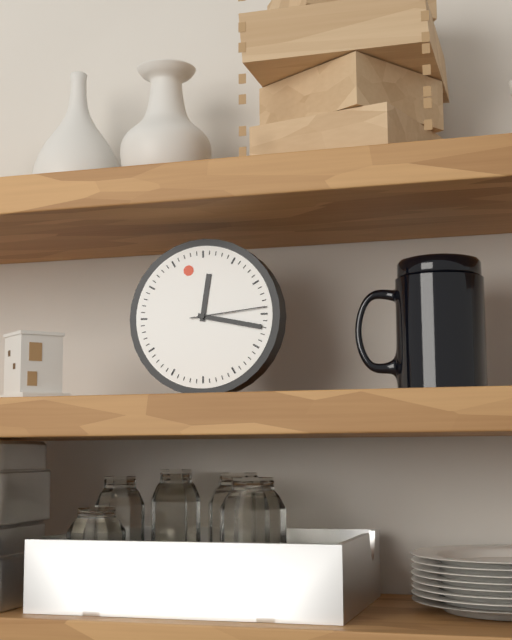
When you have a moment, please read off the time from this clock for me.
12:17:14
